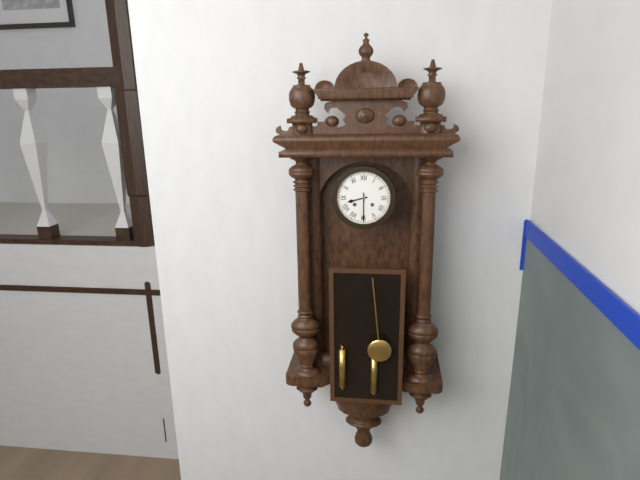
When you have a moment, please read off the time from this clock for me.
8:30
